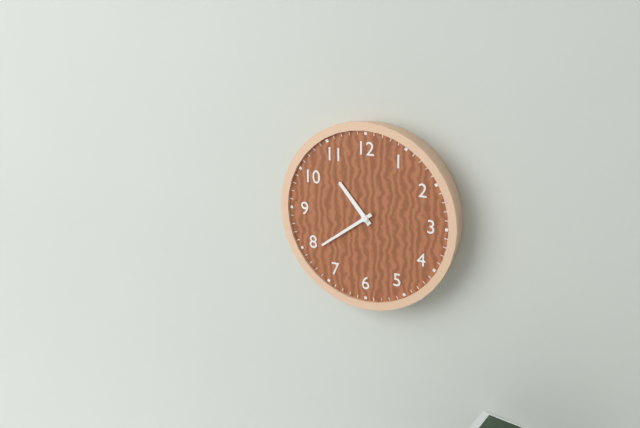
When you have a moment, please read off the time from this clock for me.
10:39
